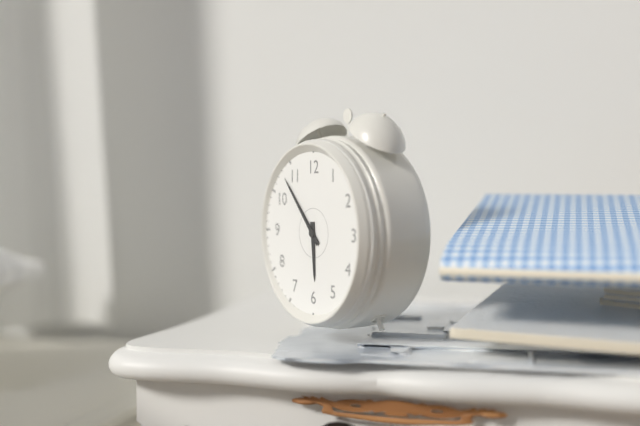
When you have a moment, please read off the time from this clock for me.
5:53
